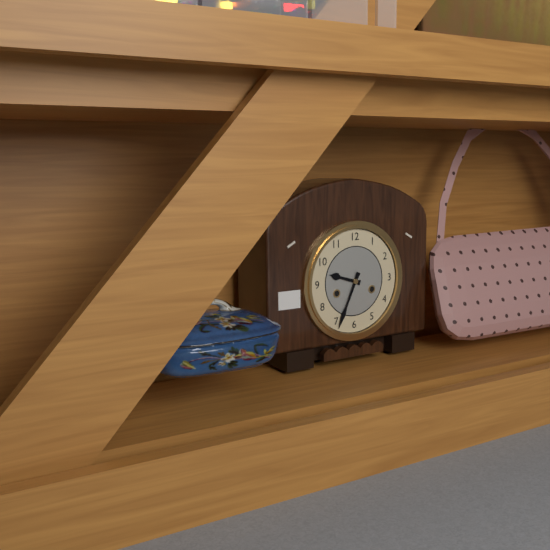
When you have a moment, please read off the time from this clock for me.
9:34
